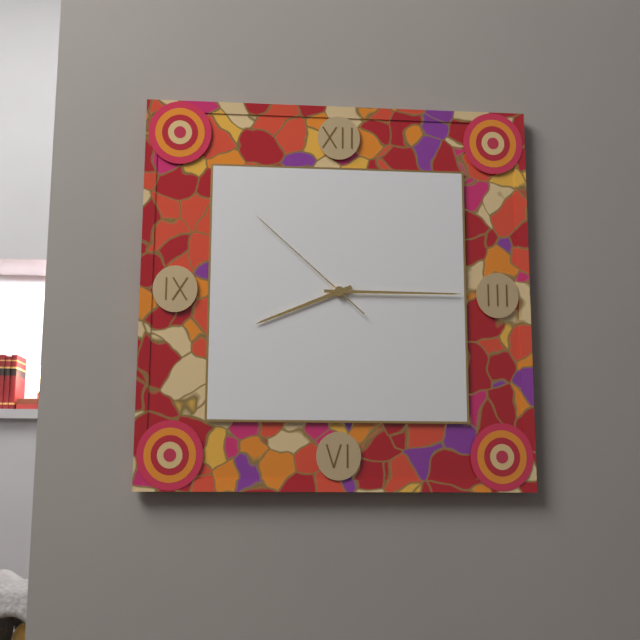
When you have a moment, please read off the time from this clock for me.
8:15:52
